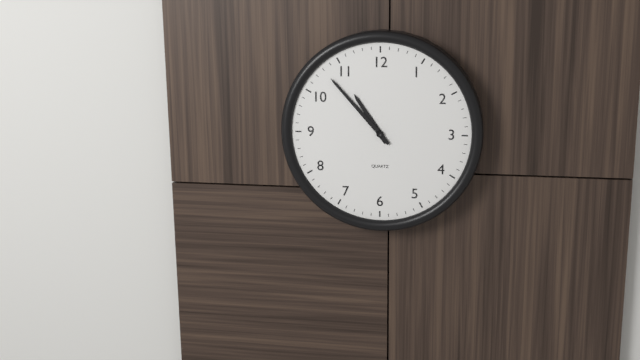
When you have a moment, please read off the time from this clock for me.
10:53
